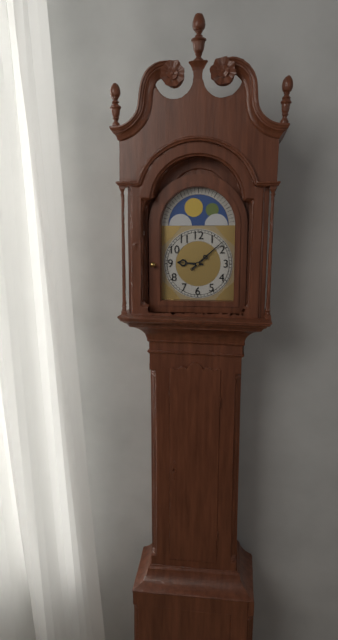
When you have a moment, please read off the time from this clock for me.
9:08
